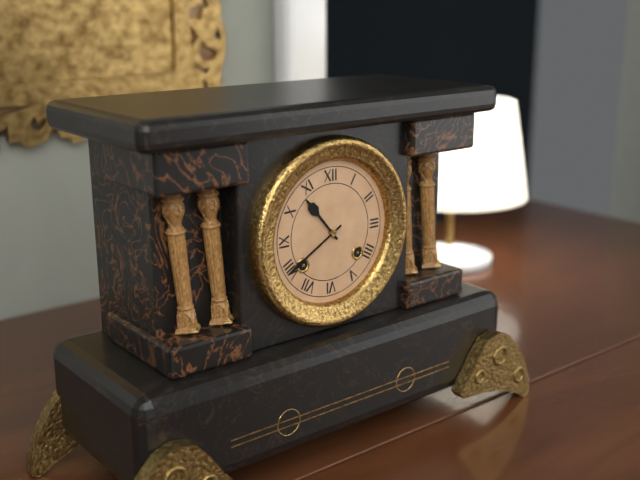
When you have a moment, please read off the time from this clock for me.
10:40
